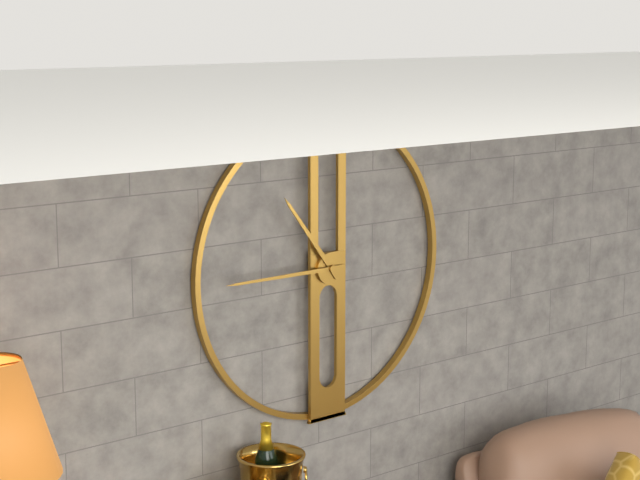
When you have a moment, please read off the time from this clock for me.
10:45
